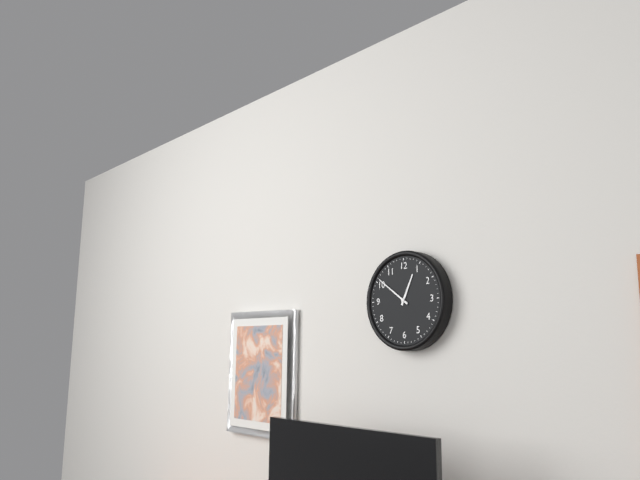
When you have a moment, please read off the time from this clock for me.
12:51
